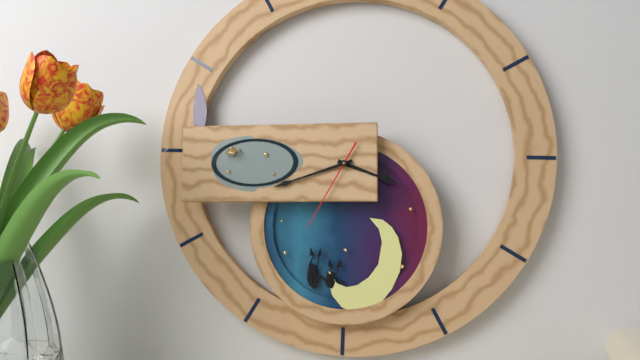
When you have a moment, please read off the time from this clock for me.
3:42:35
